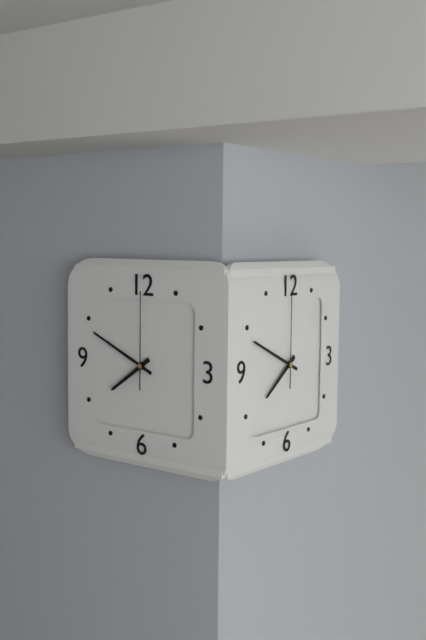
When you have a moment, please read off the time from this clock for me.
7:49:00
